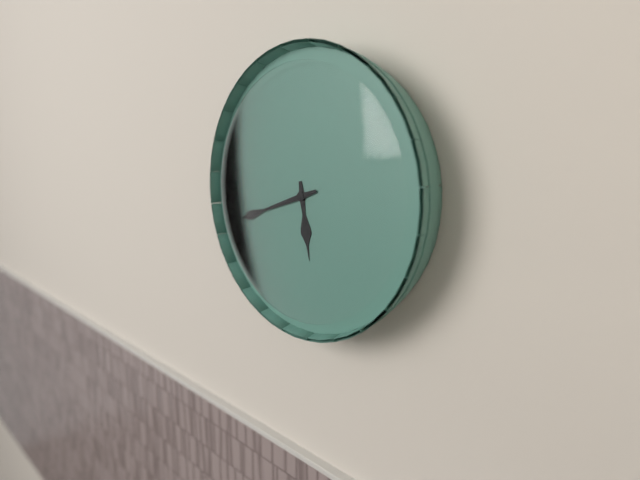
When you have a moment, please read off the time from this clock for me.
5:42
